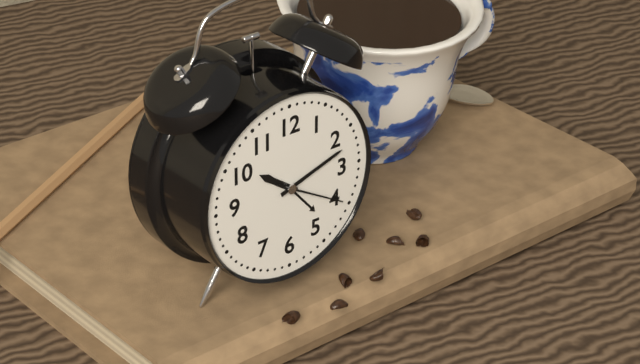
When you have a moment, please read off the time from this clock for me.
10:12:20
